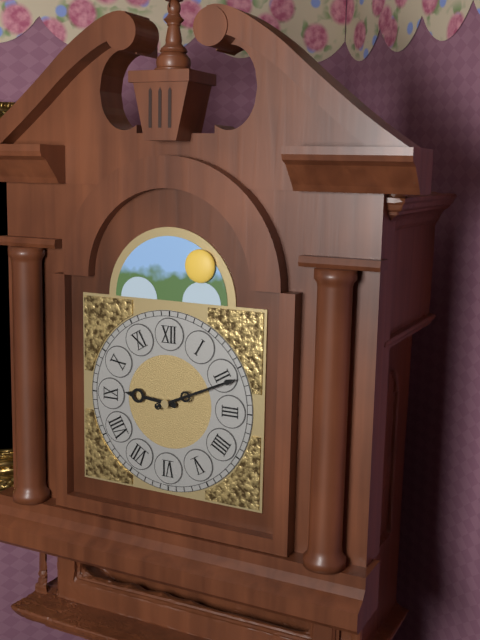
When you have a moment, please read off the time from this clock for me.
9:11
